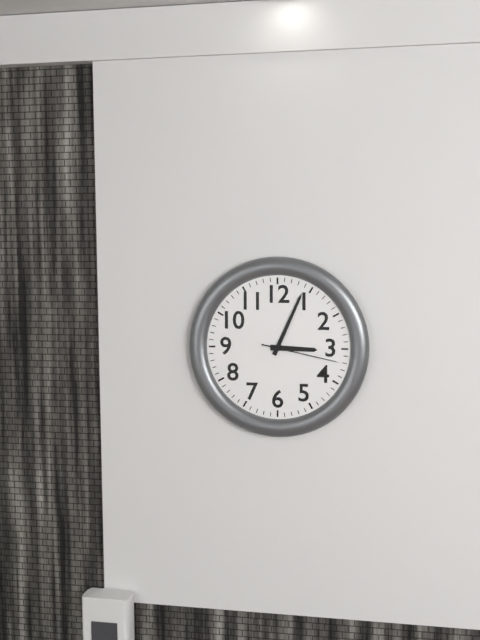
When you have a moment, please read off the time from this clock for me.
3:04:17
